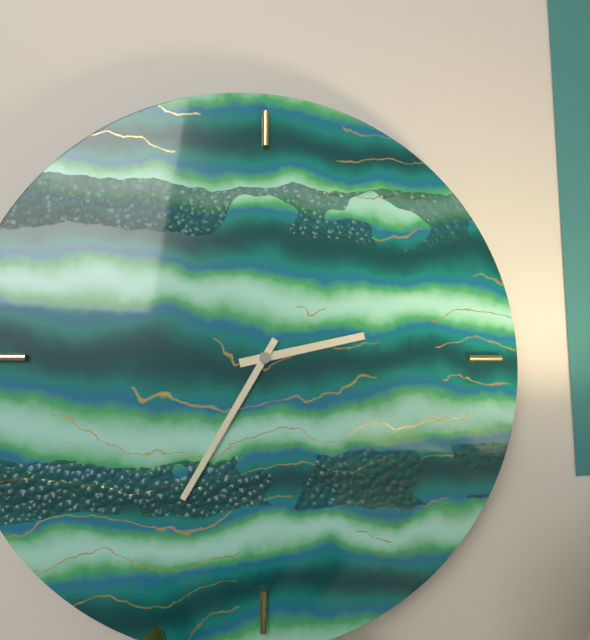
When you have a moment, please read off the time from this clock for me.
2:35
